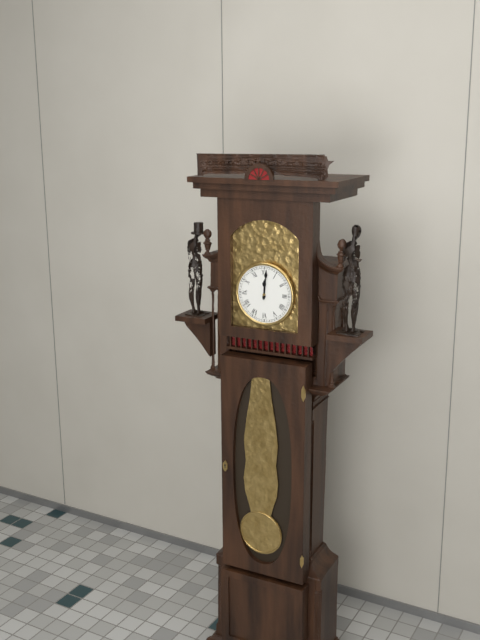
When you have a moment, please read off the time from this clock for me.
12:01
